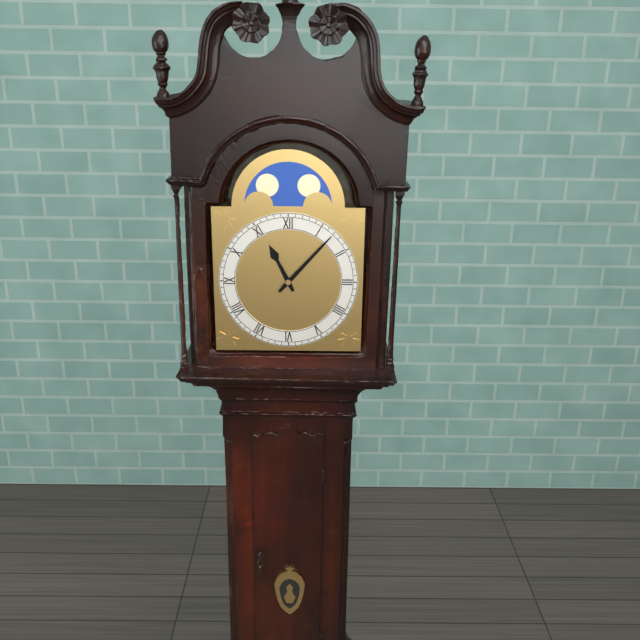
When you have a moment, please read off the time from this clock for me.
11:07
